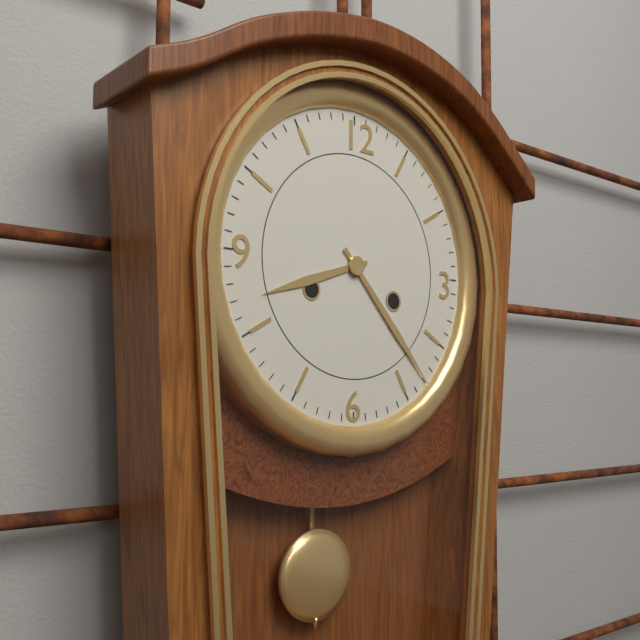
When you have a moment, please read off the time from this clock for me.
8:23
